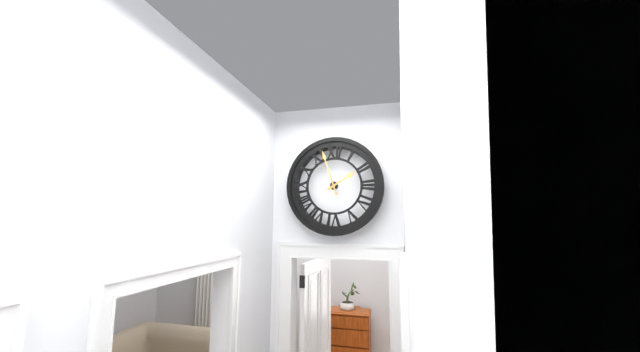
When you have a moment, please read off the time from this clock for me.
1:57
